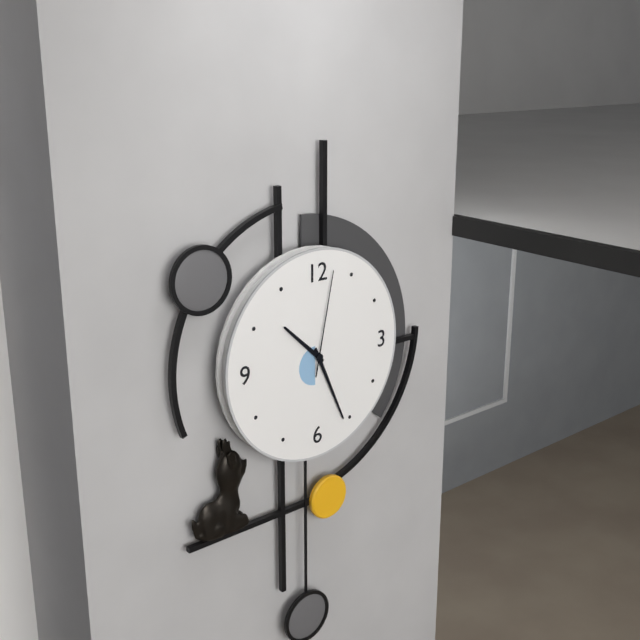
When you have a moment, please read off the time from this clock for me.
10:26:02
